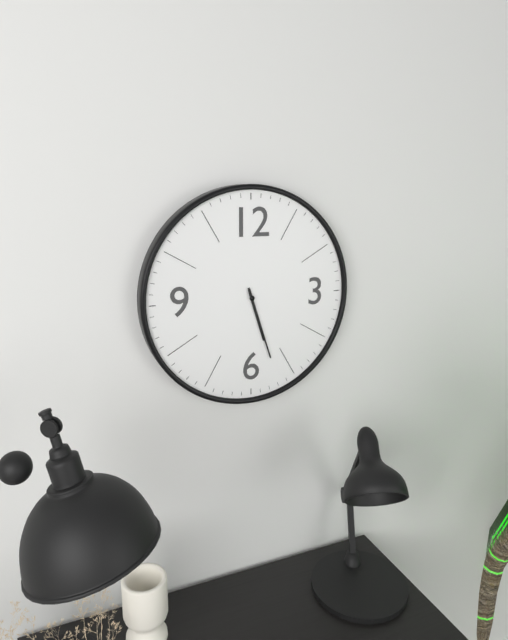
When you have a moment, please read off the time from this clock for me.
5:27
